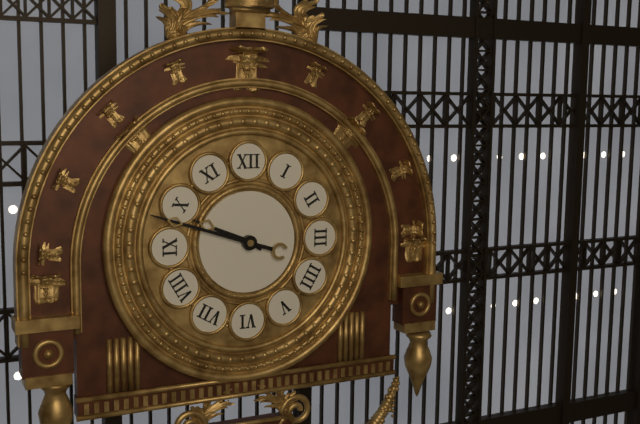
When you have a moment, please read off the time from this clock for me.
9:48
